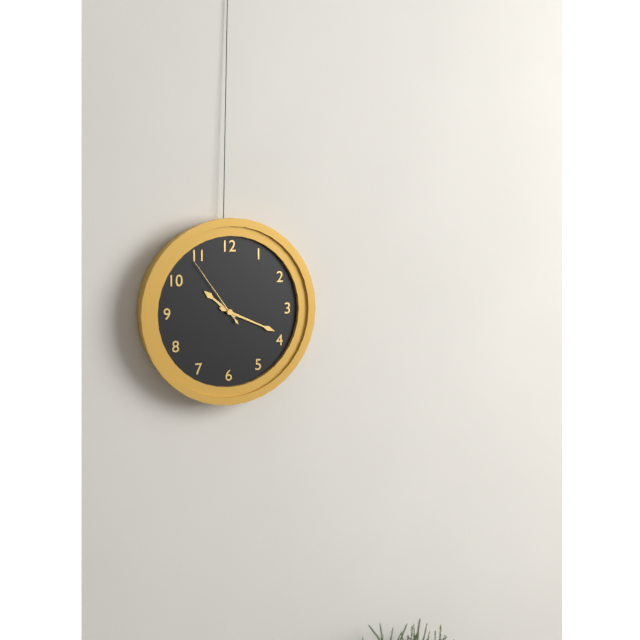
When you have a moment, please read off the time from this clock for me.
10:19:54
